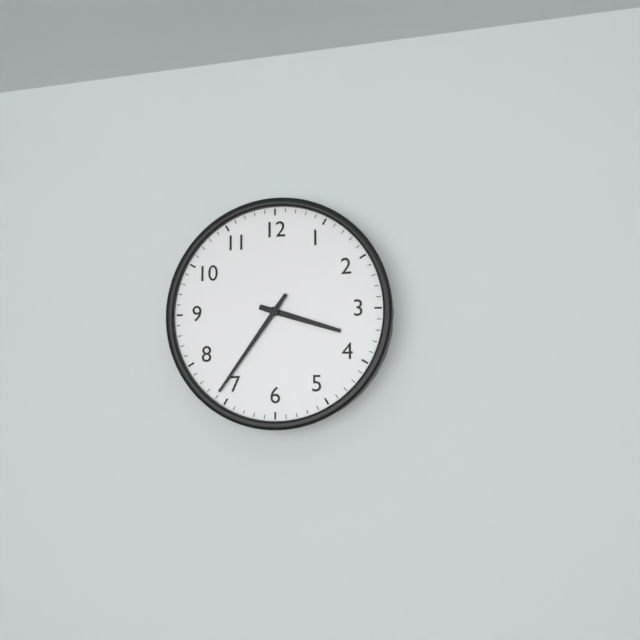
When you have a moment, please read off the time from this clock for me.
3:36
